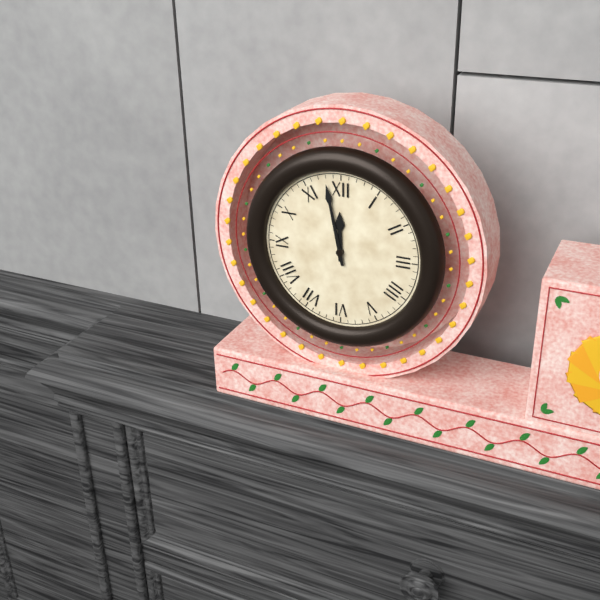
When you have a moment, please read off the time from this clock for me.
11:58
